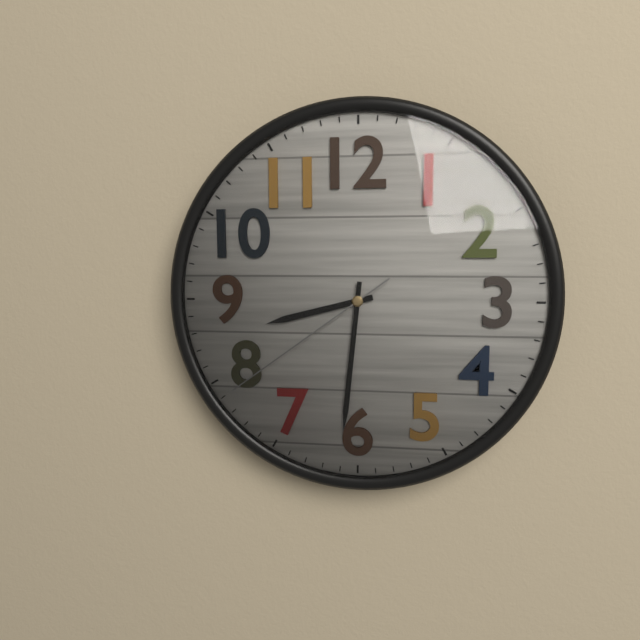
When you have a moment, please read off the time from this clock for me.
8:31:39
